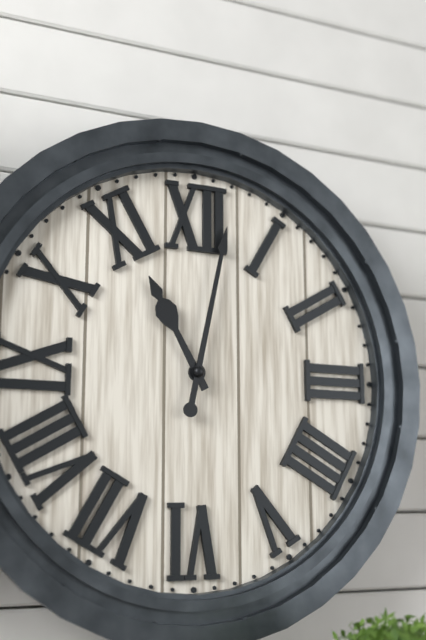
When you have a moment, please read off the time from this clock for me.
11:02
